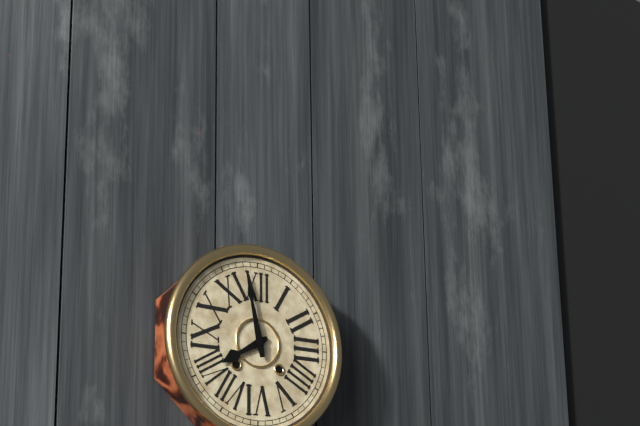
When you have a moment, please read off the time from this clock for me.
7:58
